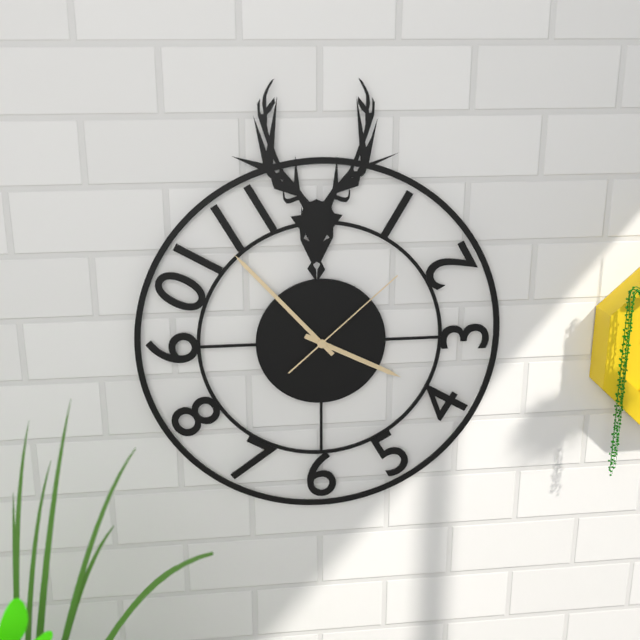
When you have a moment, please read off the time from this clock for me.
3:53:08
